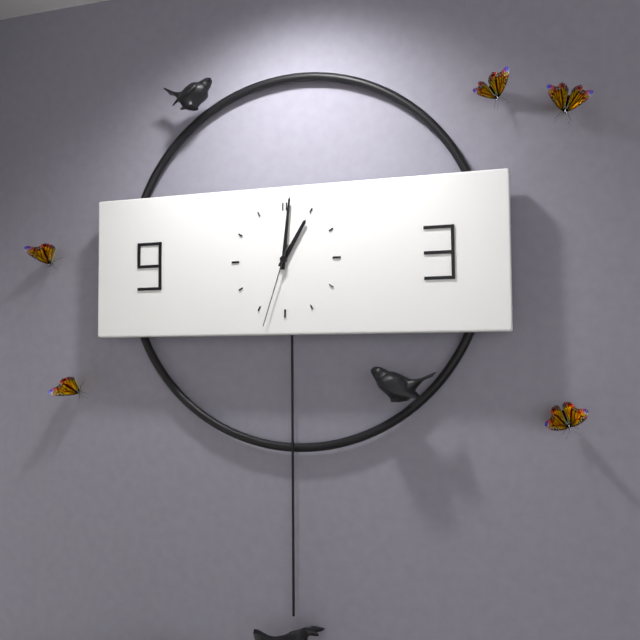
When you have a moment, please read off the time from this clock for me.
1:01:33
